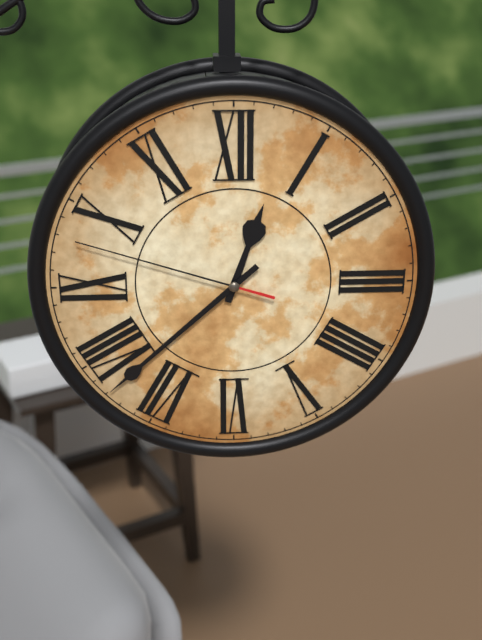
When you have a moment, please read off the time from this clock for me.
12:38:48
